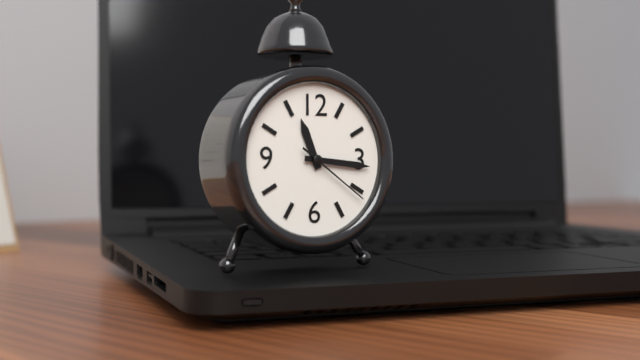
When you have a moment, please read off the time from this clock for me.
11:16:21
